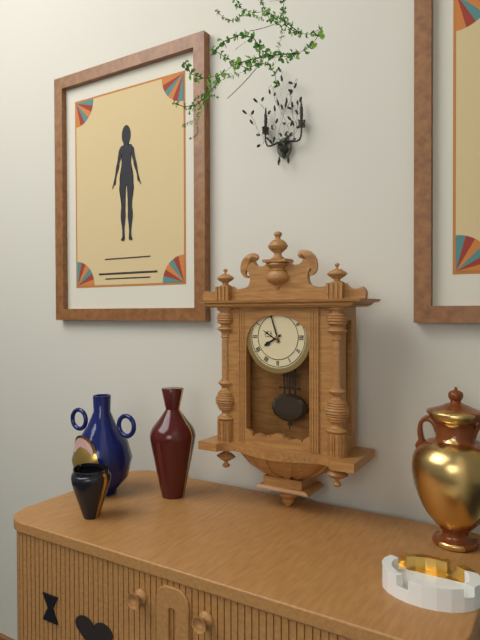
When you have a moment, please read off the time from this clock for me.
7:57
